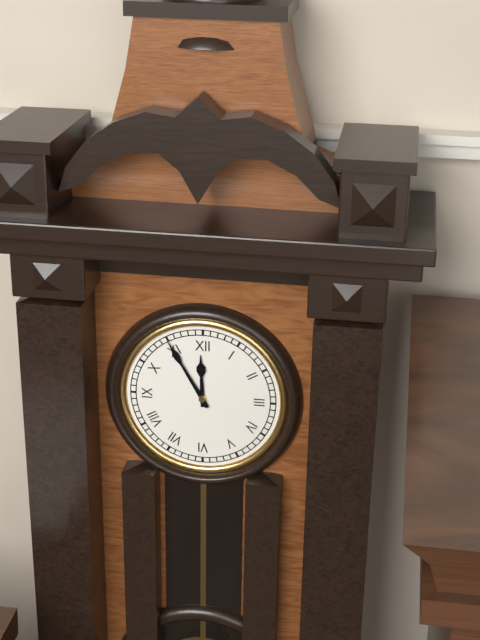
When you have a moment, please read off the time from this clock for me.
11:55
